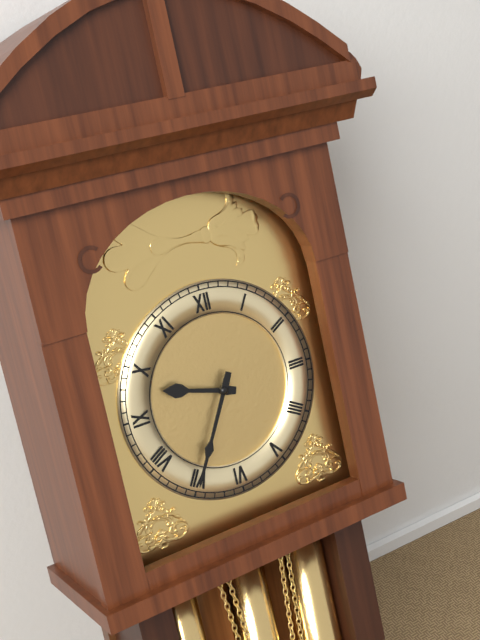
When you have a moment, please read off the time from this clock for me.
9:35
